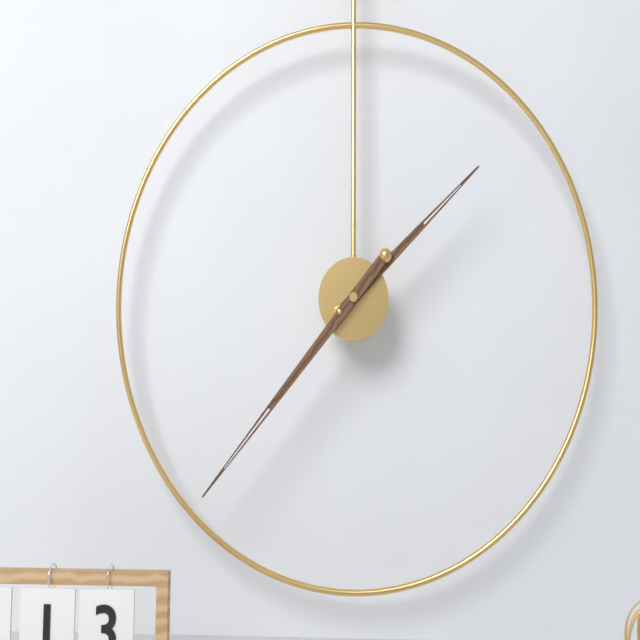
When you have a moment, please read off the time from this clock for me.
1:37
